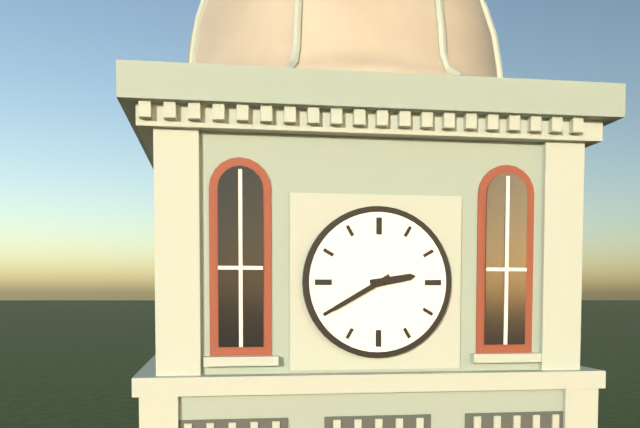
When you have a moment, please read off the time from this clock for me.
2:40
